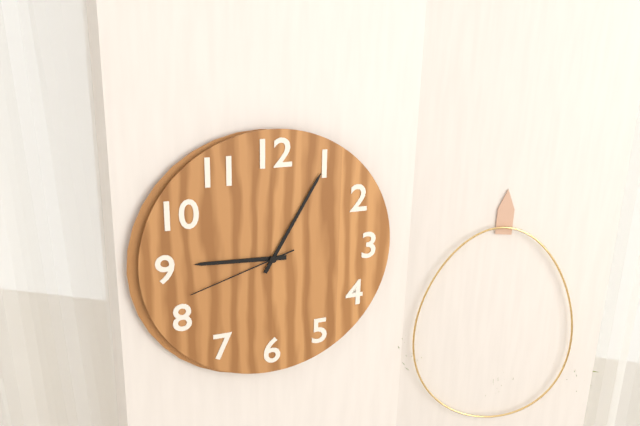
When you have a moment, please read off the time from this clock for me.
9:05:42
